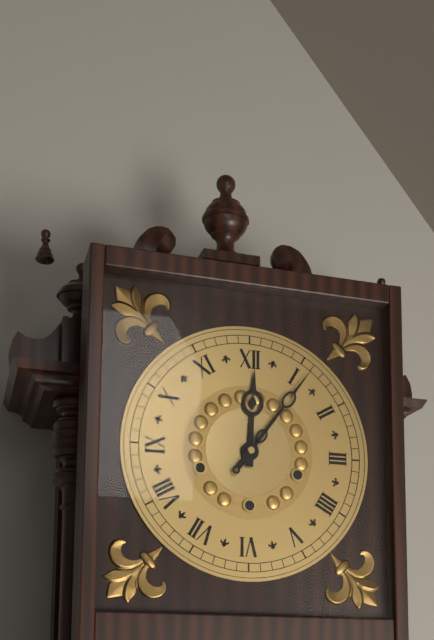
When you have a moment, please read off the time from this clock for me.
12:06
